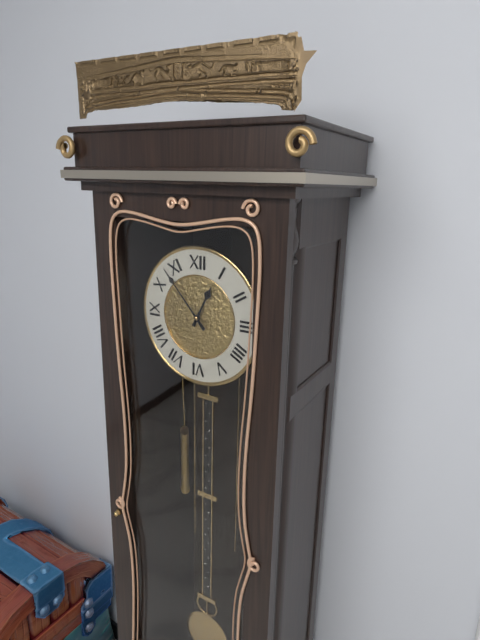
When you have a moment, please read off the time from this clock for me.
12:53
